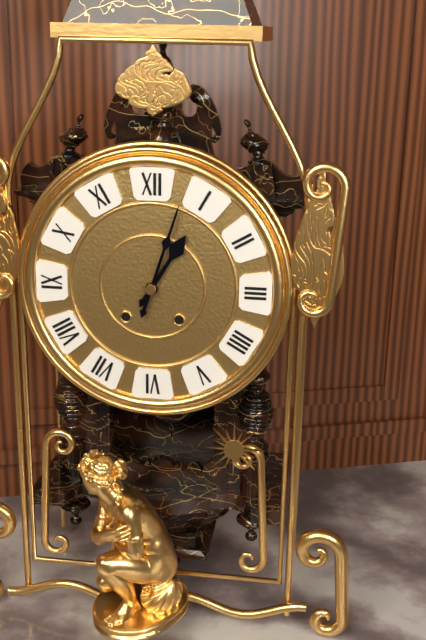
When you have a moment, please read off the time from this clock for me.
1:03
